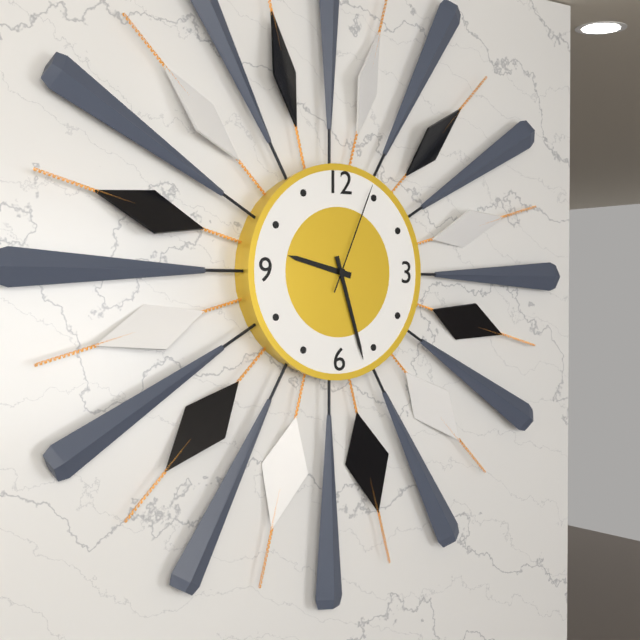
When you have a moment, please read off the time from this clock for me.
9:27:04
